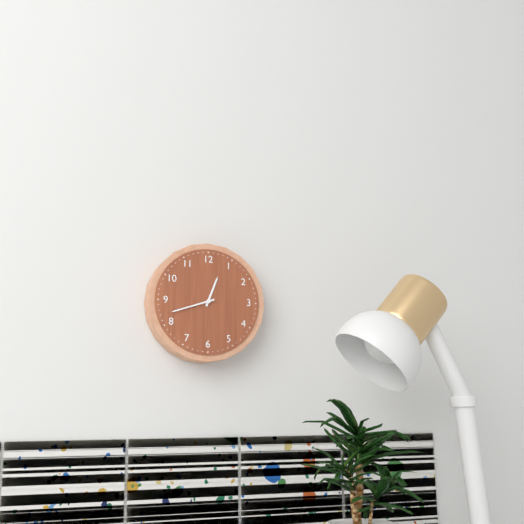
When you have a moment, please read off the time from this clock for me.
12:42
